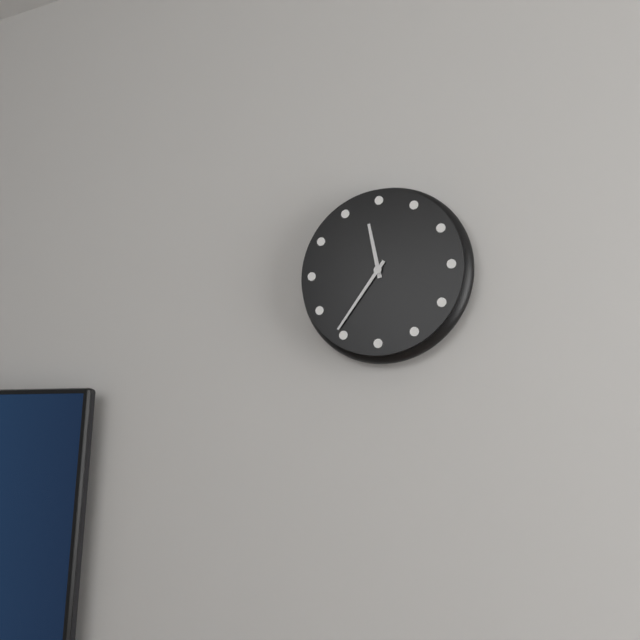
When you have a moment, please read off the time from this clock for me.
11:36
